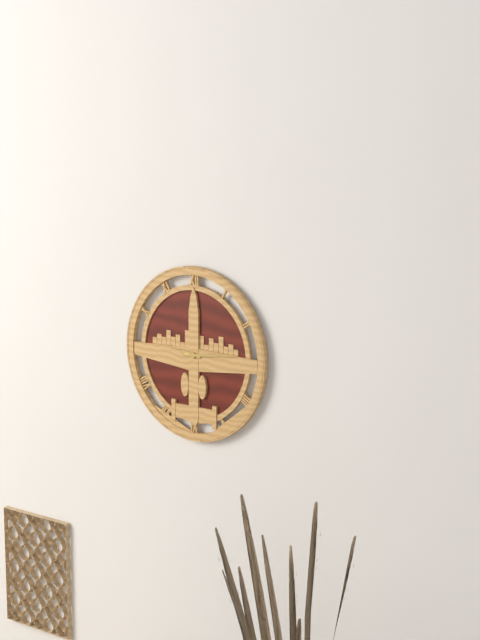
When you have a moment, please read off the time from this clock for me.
9:14
